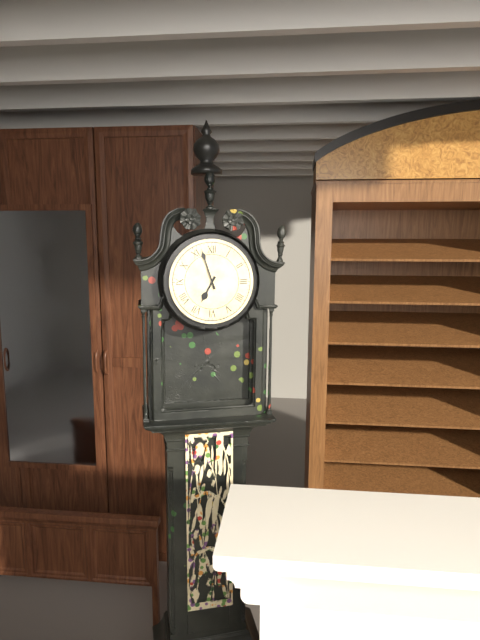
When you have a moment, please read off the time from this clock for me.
6:57
